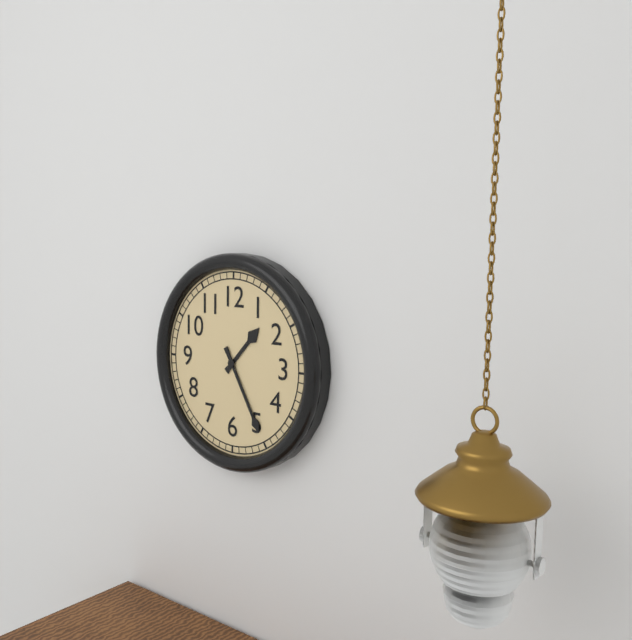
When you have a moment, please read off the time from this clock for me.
1:25
